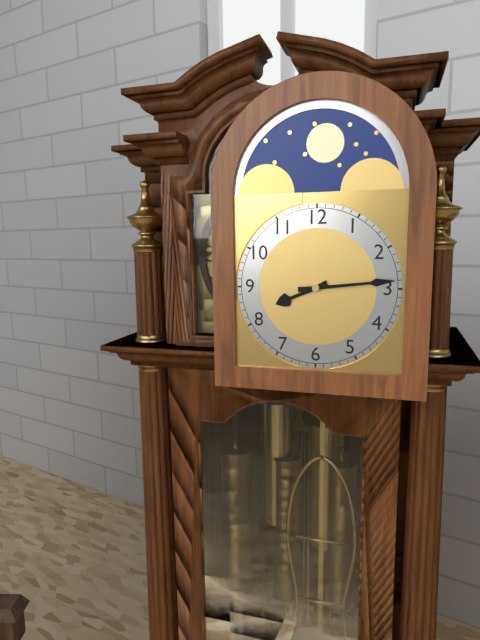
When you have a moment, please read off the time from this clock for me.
8:14
